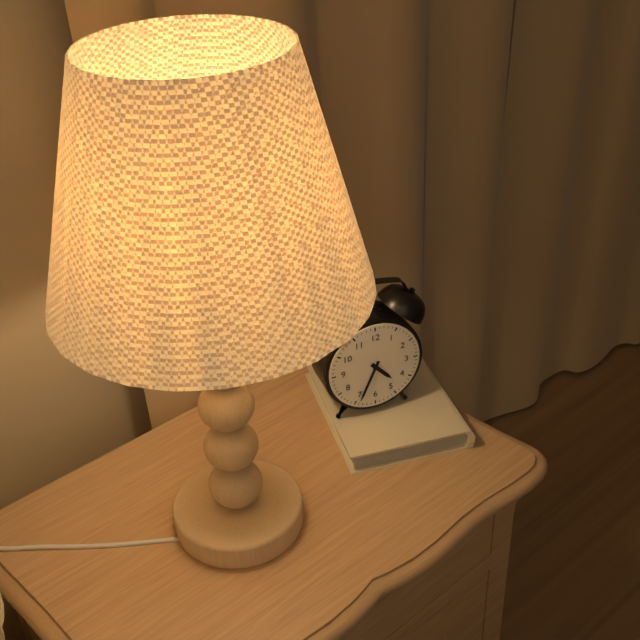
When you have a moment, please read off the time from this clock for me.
4:34
